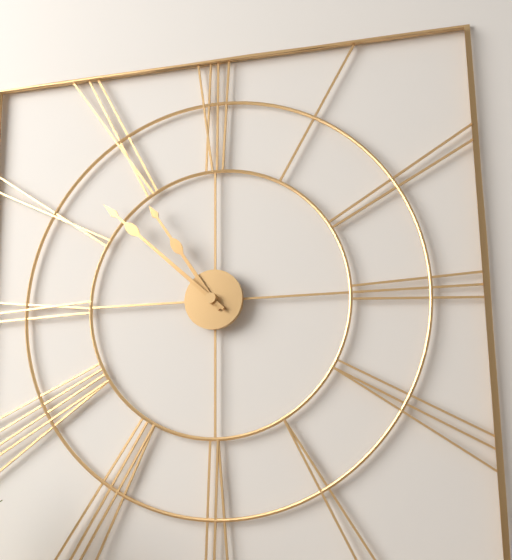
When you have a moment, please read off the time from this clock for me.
10:52
